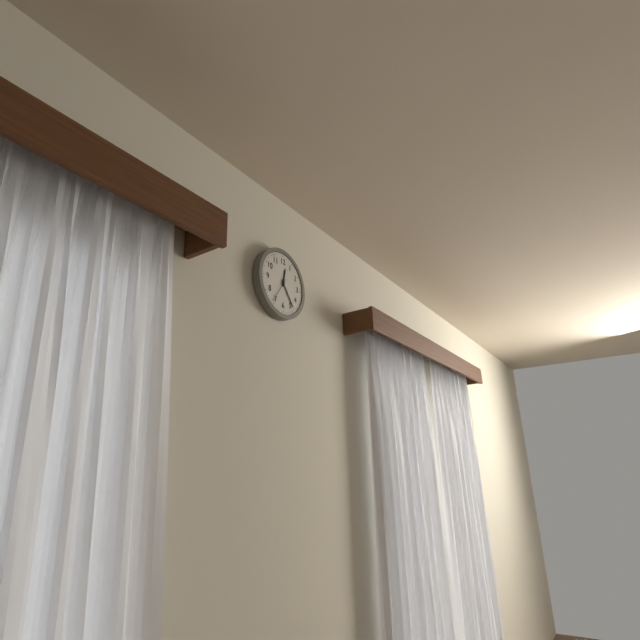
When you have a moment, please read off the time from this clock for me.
12:24
